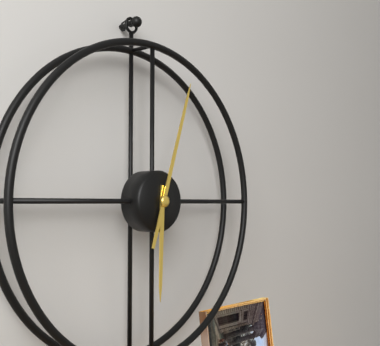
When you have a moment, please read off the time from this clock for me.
6:03
